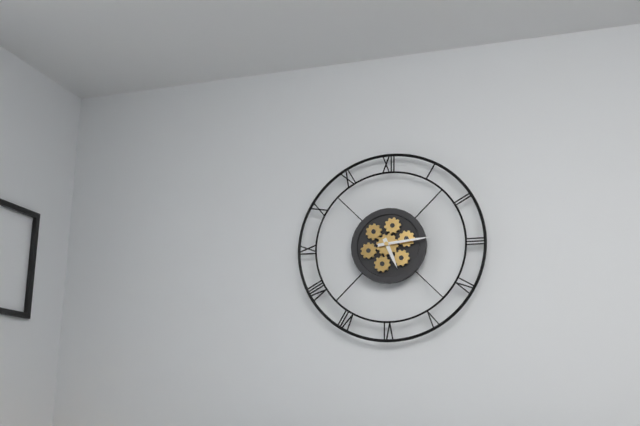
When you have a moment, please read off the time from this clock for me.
5:14
